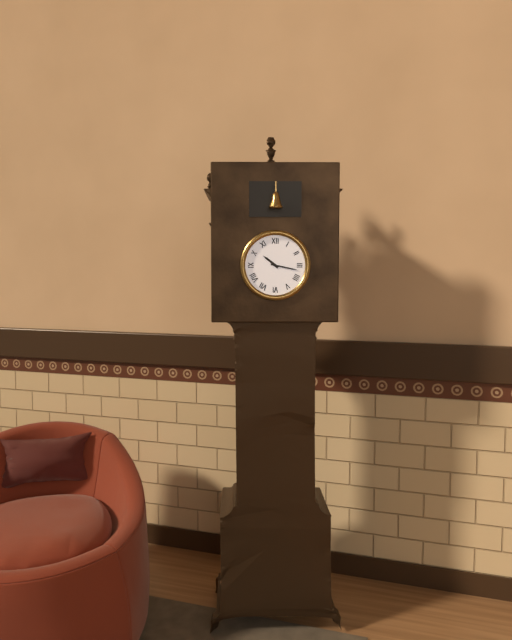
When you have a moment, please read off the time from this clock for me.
10:17
